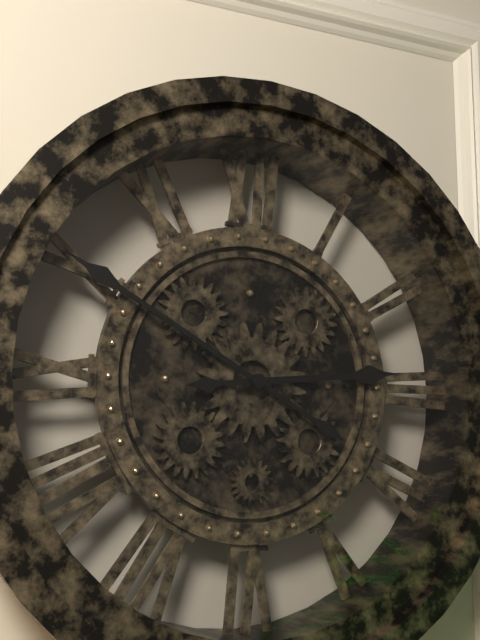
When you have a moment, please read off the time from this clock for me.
2:50
